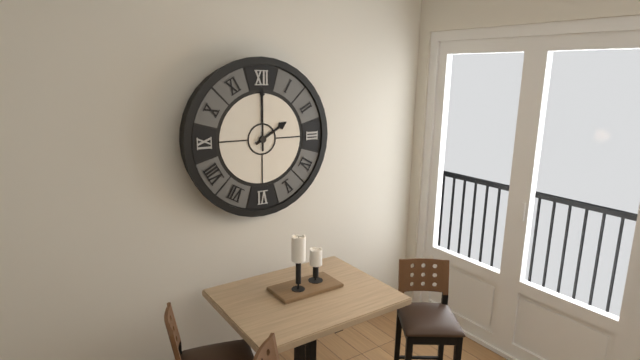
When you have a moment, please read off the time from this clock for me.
2:00
